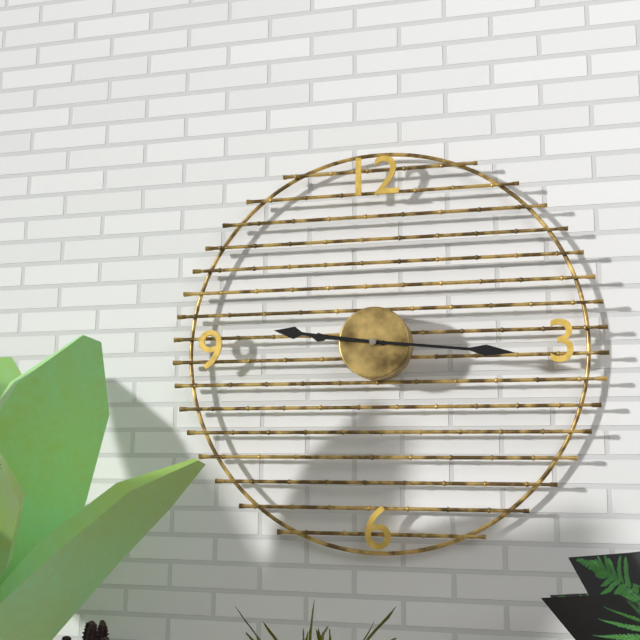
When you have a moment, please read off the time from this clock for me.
9:16
